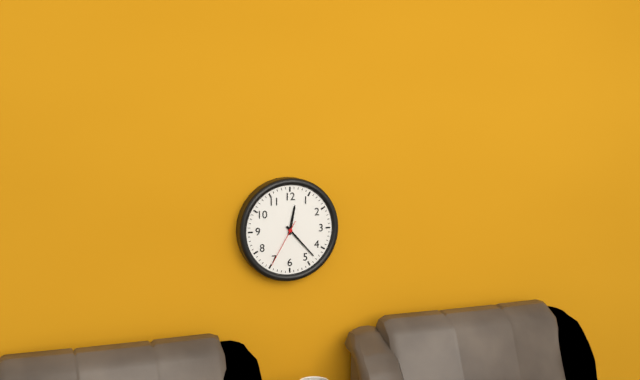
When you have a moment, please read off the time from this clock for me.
12:23:35
